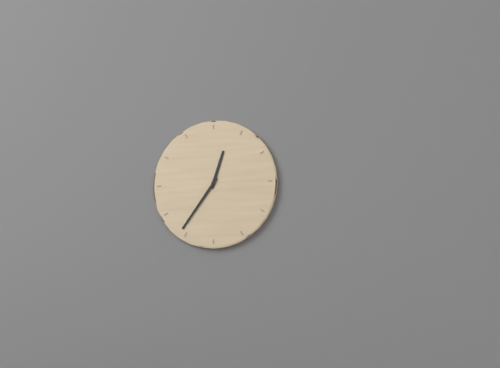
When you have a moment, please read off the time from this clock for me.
12:36
